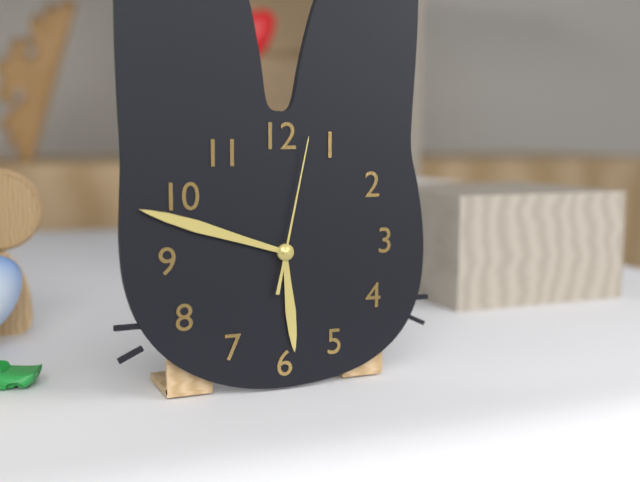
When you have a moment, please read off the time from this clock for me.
5:48:02
